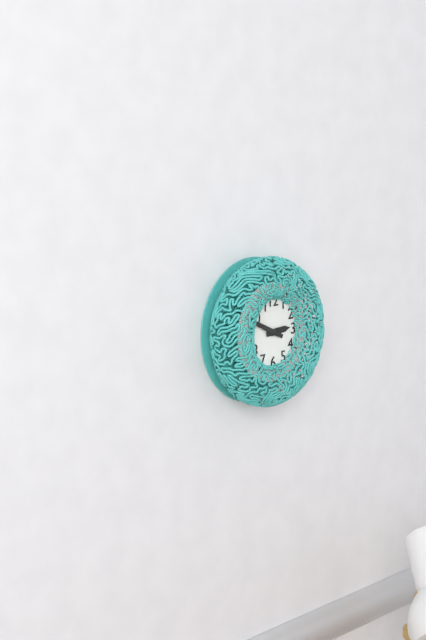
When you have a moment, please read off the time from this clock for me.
2:49
